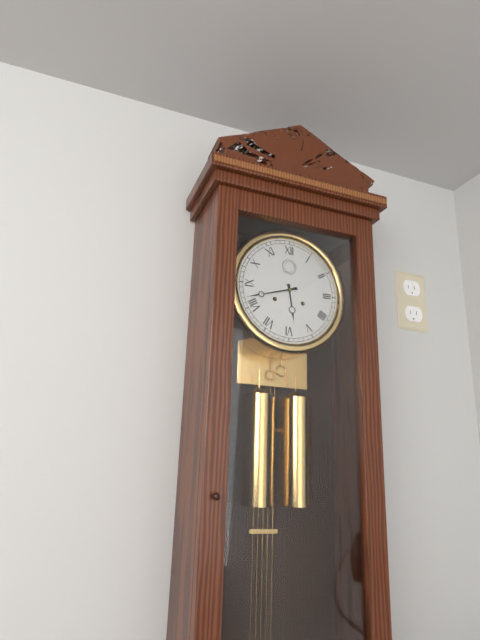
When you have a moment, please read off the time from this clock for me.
5:42
